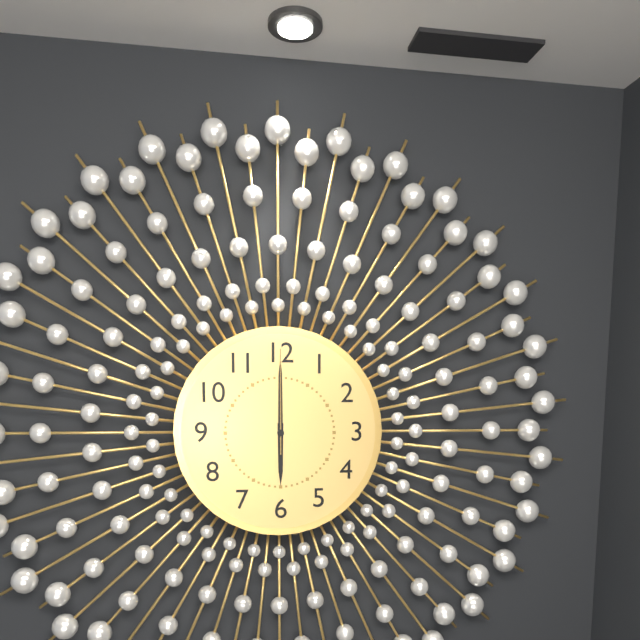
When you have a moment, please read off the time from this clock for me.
6:00:00
